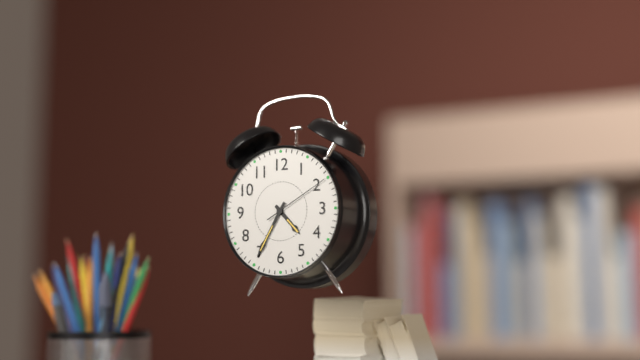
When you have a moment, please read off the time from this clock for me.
4:35:10
